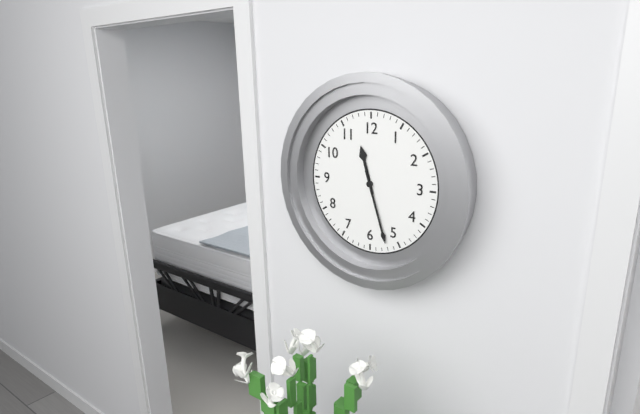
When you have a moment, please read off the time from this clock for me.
11:27
